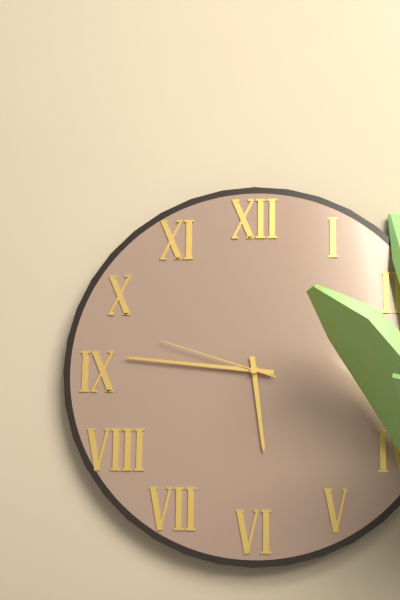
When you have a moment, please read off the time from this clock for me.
5:46:48
